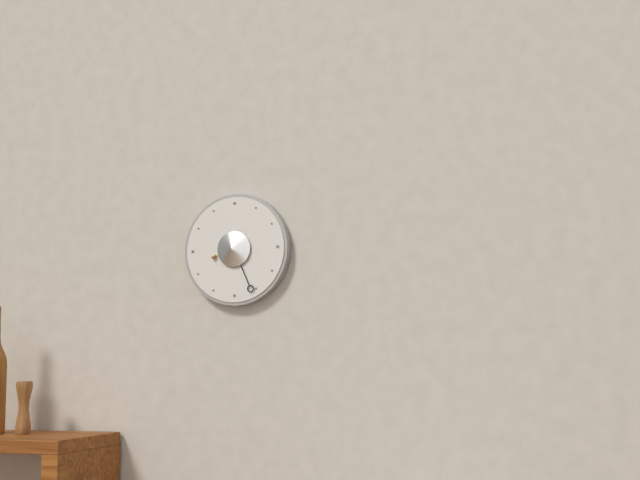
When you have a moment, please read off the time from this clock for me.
8:26
